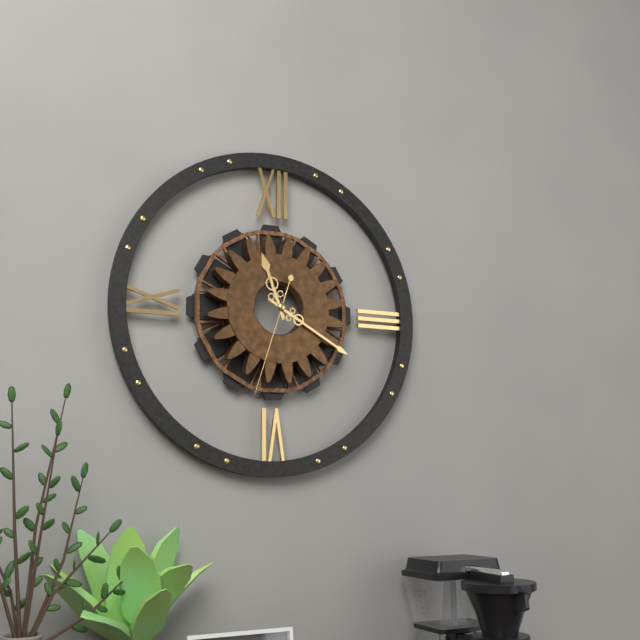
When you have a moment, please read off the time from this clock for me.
11:20:33
